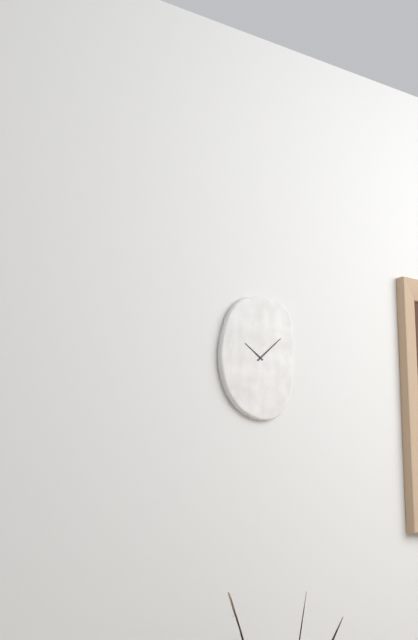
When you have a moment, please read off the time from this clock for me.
10:08
